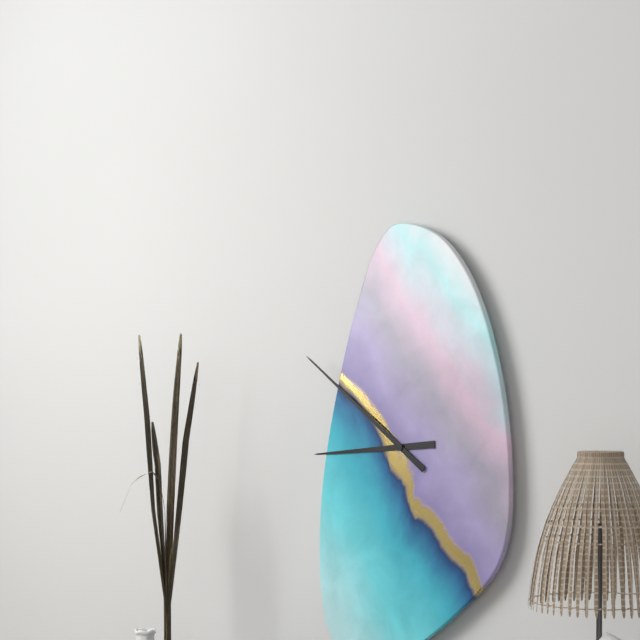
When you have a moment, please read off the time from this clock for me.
8:51
